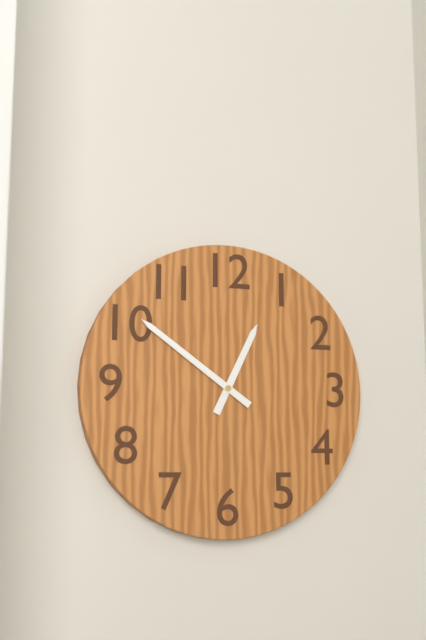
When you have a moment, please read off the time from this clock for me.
12:51
